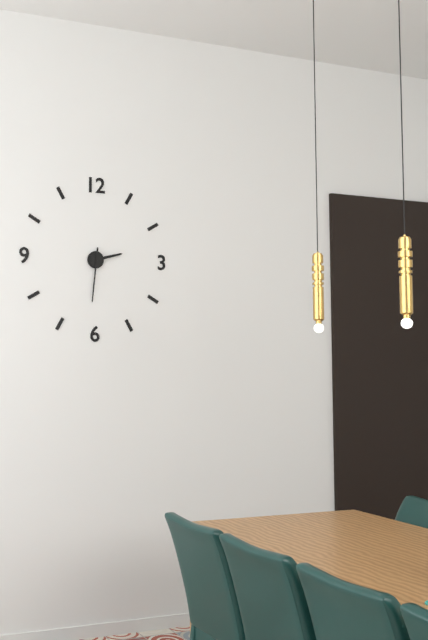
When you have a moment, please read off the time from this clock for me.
2:31
